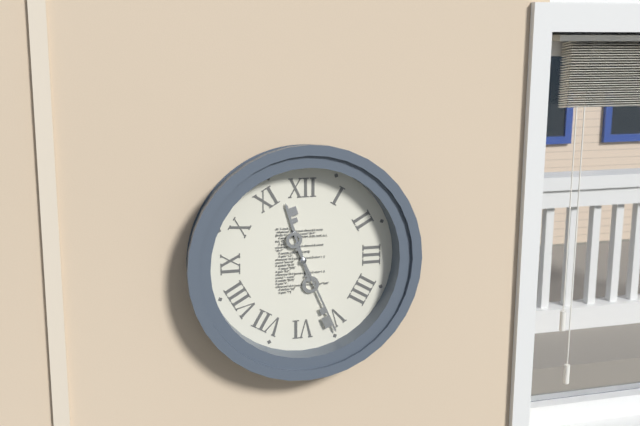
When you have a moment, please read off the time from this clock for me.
11:26
